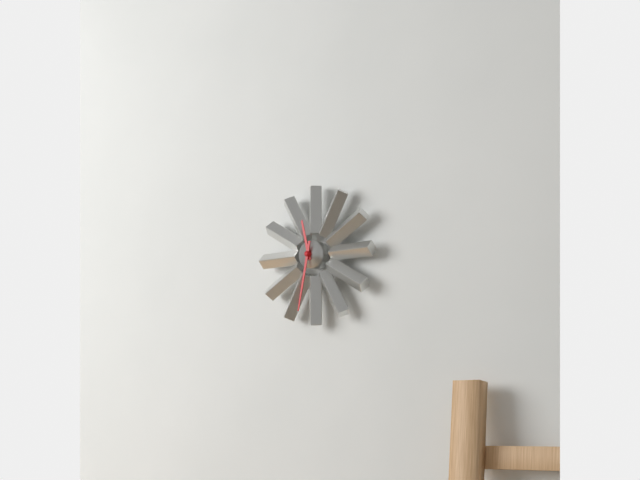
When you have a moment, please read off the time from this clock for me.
11:32
